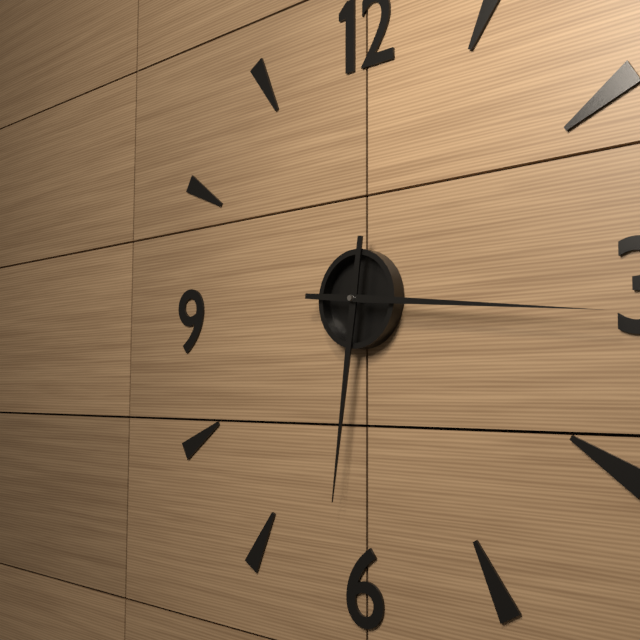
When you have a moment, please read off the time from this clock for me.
6:16
